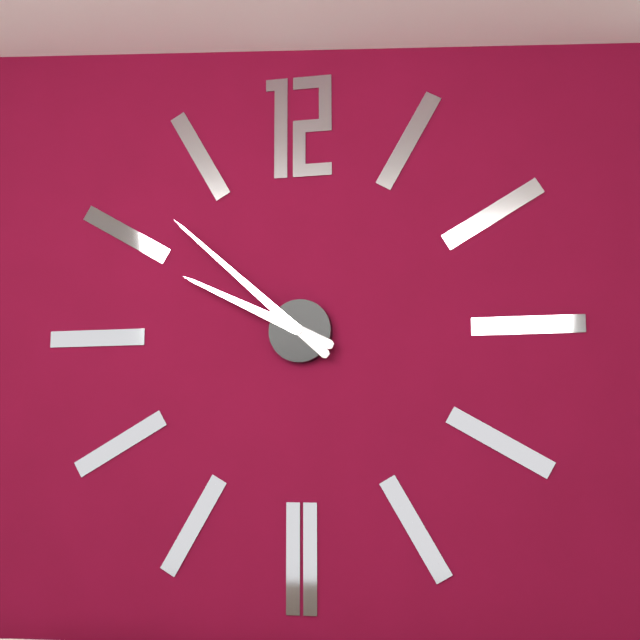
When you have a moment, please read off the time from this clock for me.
9:52
